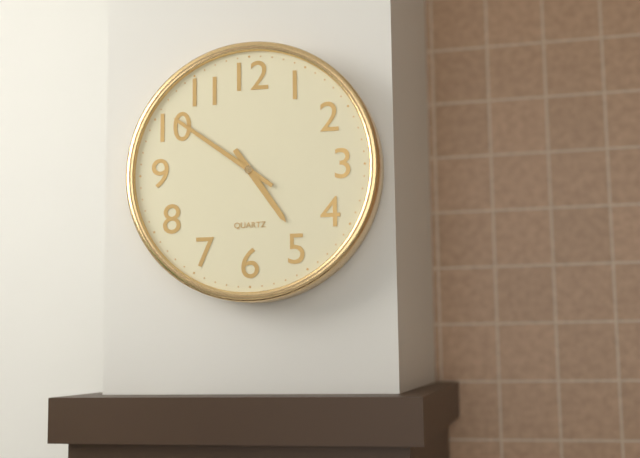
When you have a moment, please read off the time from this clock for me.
4:51
